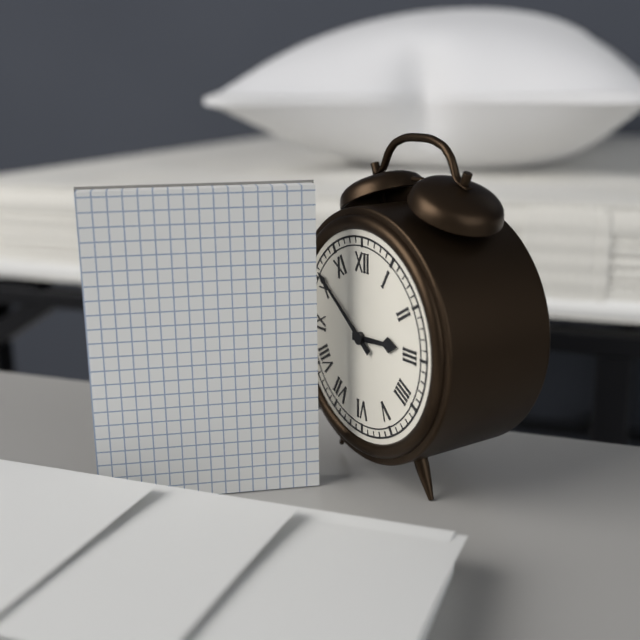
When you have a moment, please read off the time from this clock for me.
2:51
